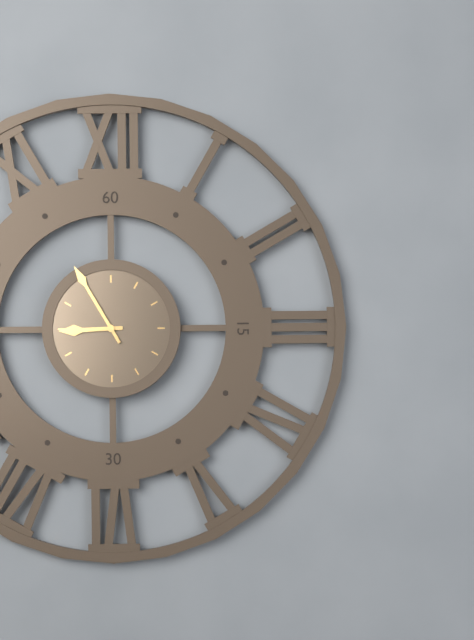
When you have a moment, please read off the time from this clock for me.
8:55
